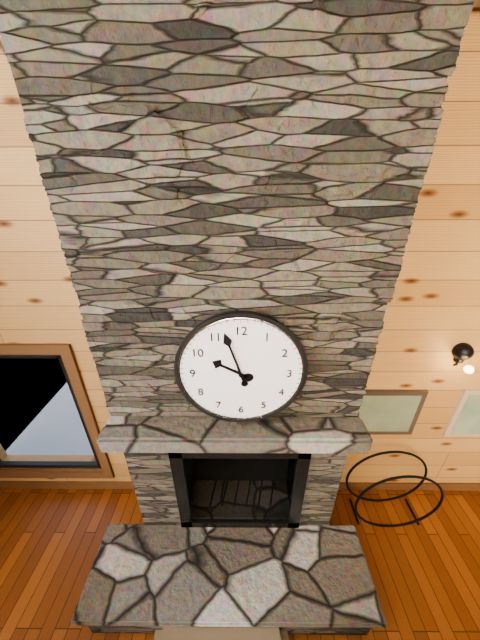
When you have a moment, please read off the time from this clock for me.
9:57
